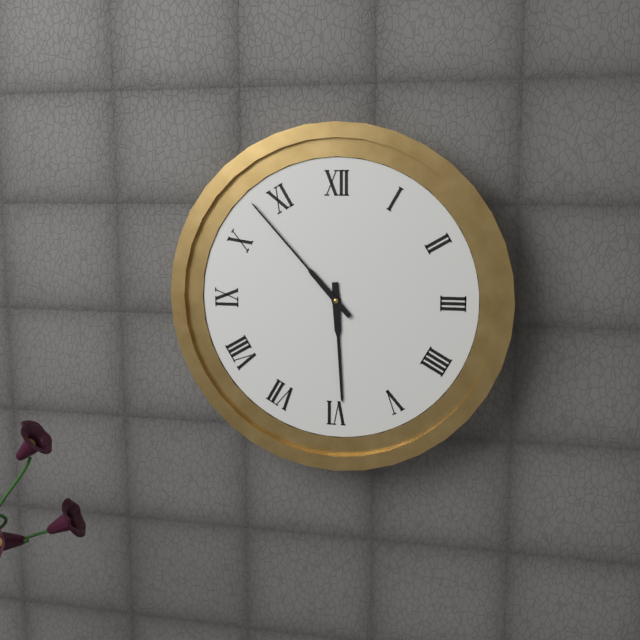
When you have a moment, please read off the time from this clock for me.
5:53
